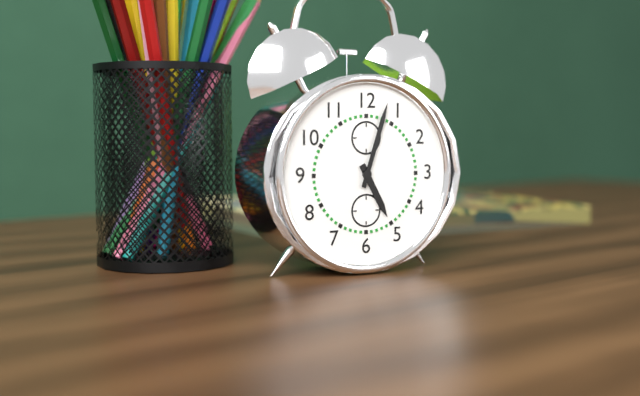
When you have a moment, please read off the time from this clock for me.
5:03
